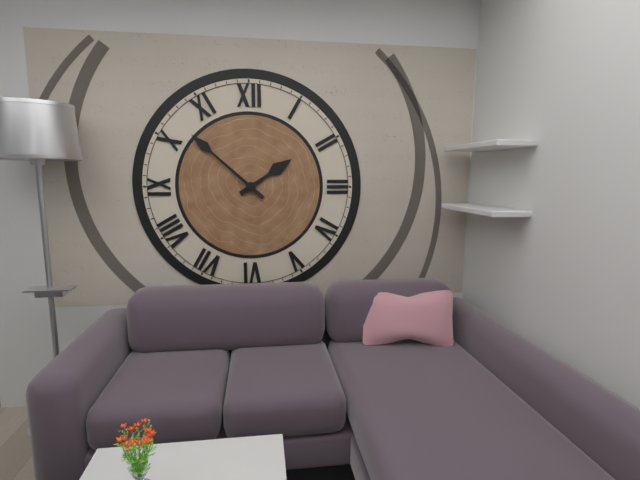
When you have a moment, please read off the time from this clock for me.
1:52
